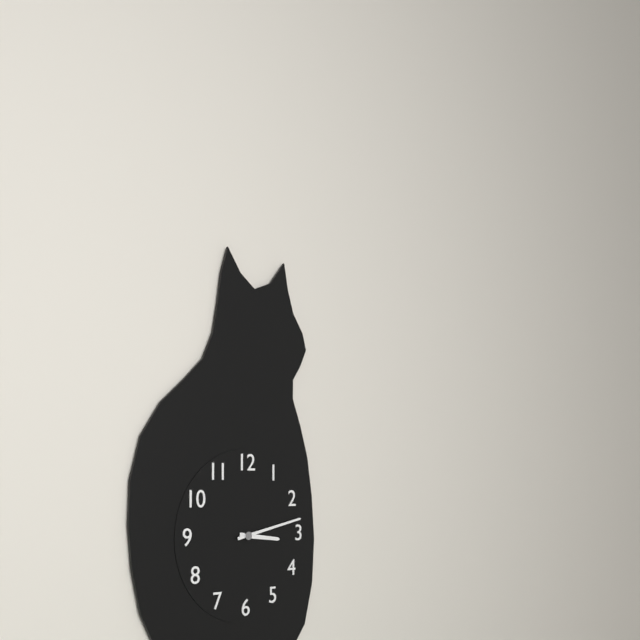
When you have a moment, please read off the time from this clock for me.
3:13
